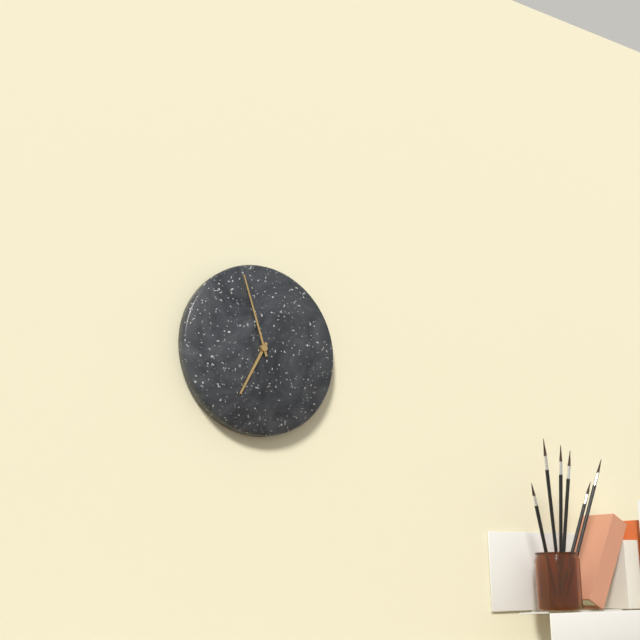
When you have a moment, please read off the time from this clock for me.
6:57
